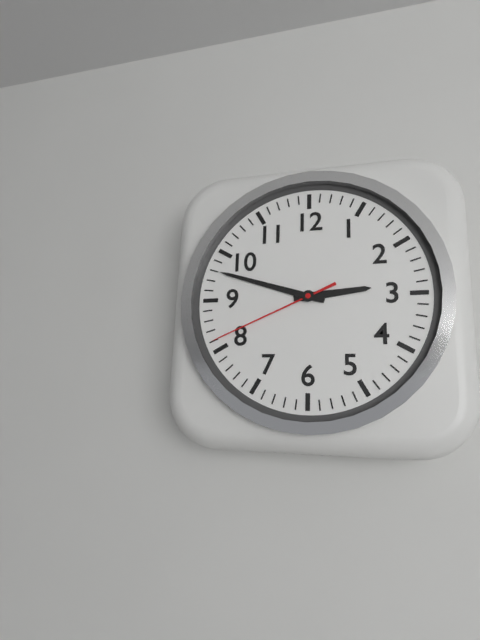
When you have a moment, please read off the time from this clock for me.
2:48:41
